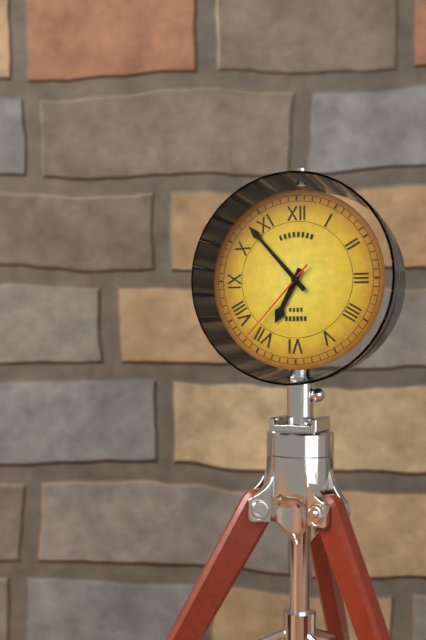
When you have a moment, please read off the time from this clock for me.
6:53:37
